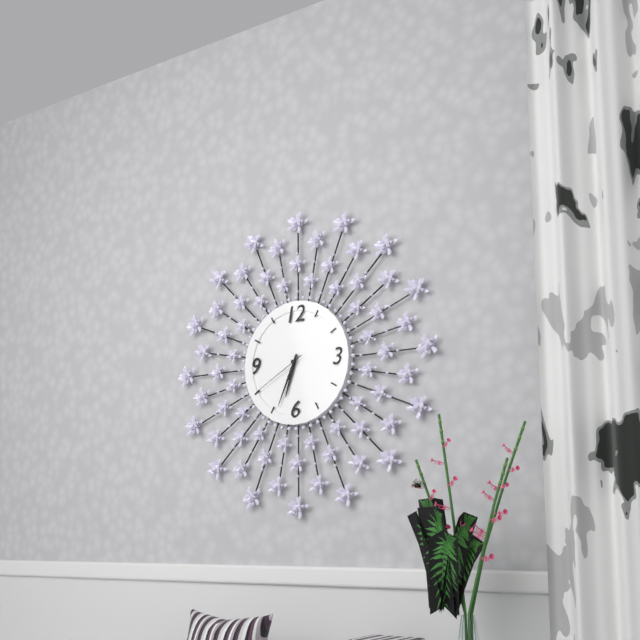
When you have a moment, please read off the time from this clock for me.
6:34:40
